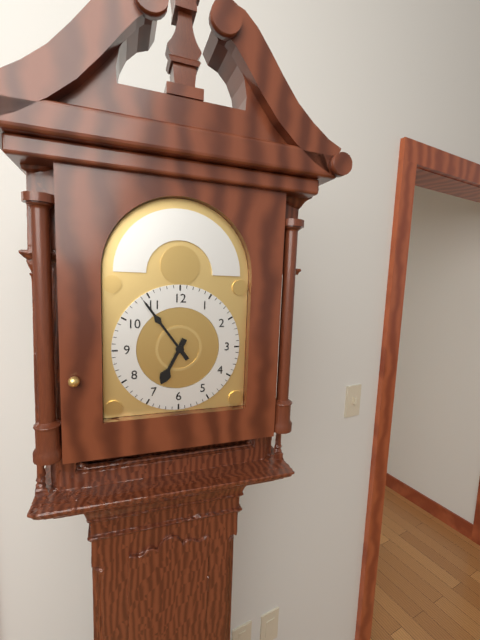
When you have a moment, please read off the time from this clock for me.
6:54
